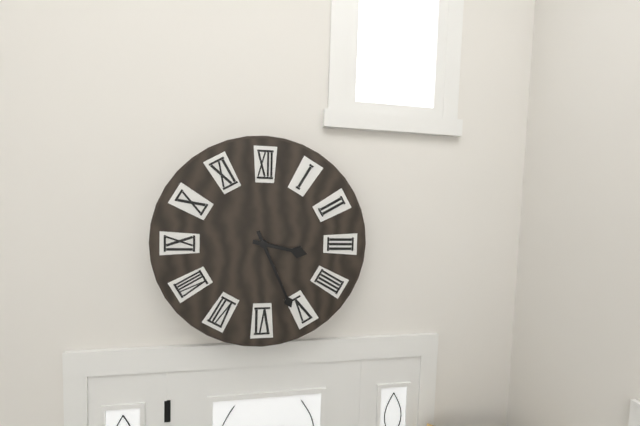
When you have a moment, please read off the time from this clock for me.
3:26
